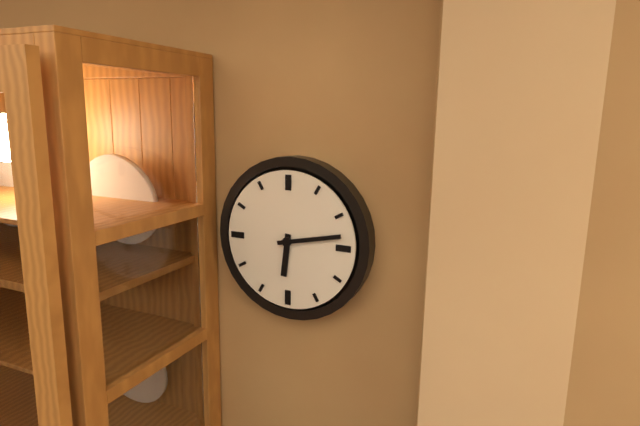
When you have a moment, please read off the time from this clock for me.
6:13
